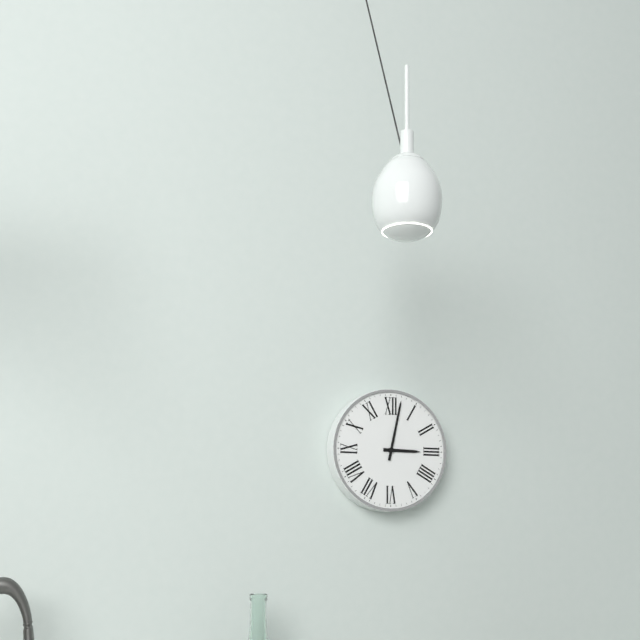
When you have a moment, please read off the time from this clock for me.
3:02
